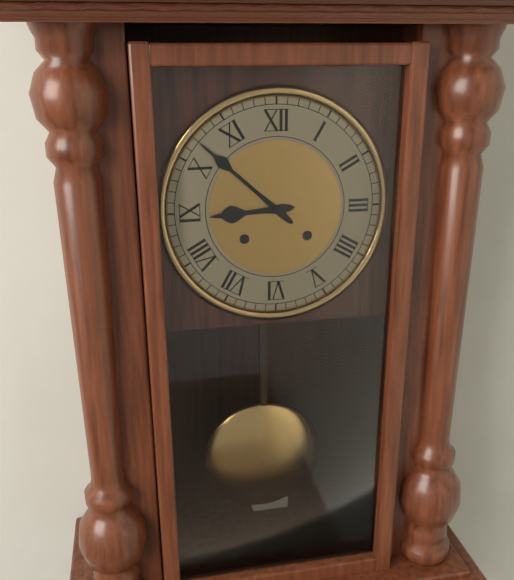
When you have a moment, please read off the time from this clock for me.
8:52
